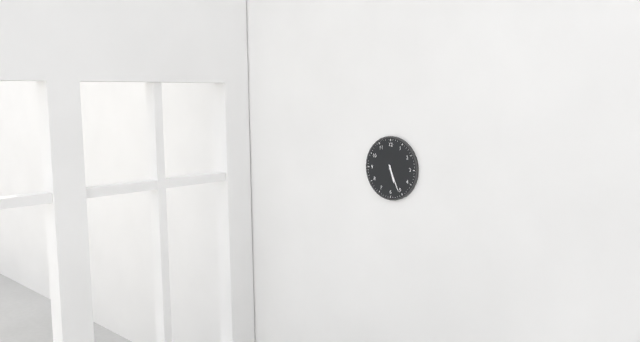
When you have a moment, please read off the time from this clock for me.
5:26
